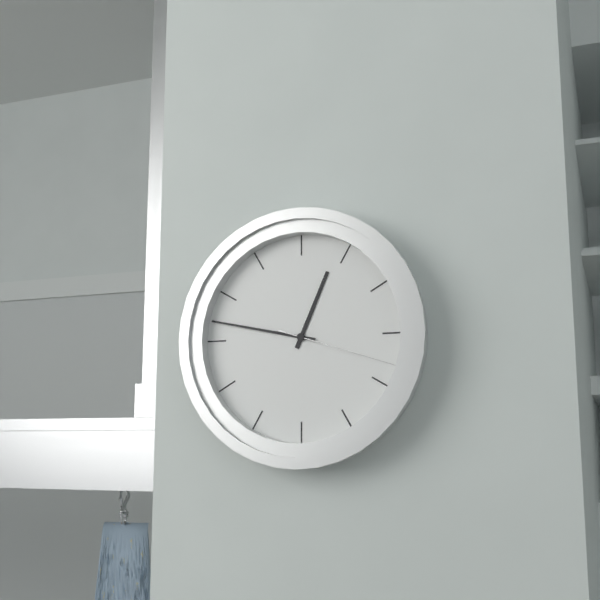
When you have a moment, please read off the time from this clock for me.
12:47:18
